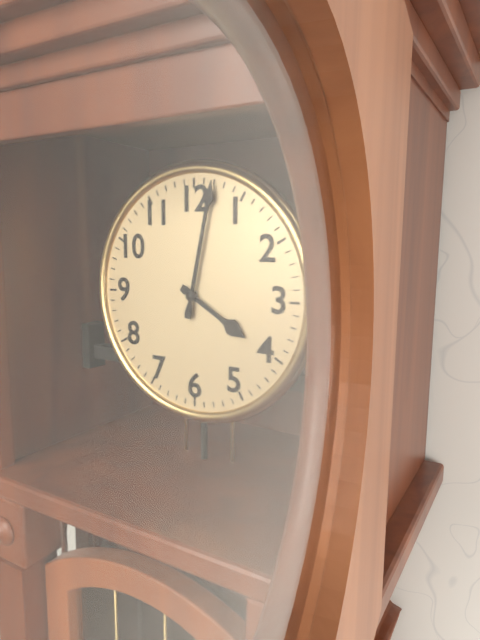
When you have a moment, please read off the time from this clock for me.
4:02
